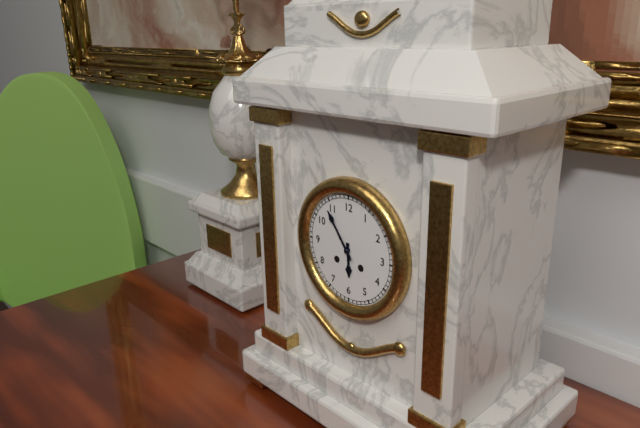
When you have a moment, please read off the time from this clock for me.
5:54
